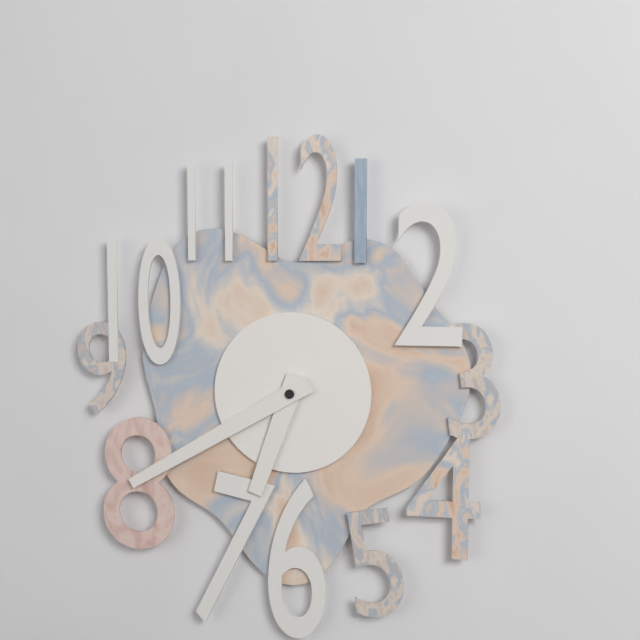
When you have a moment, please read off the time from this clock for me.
6:40
